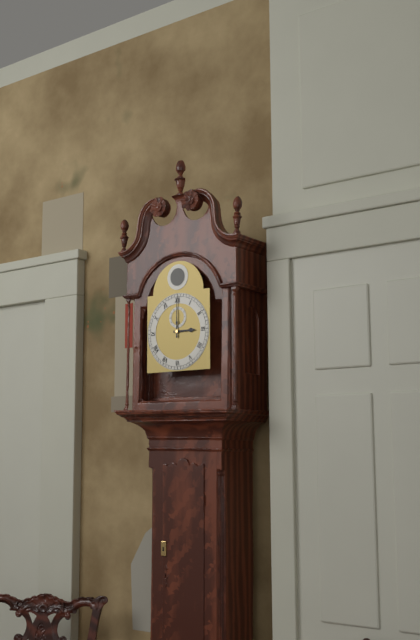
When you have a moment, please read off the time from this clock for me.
3:00
